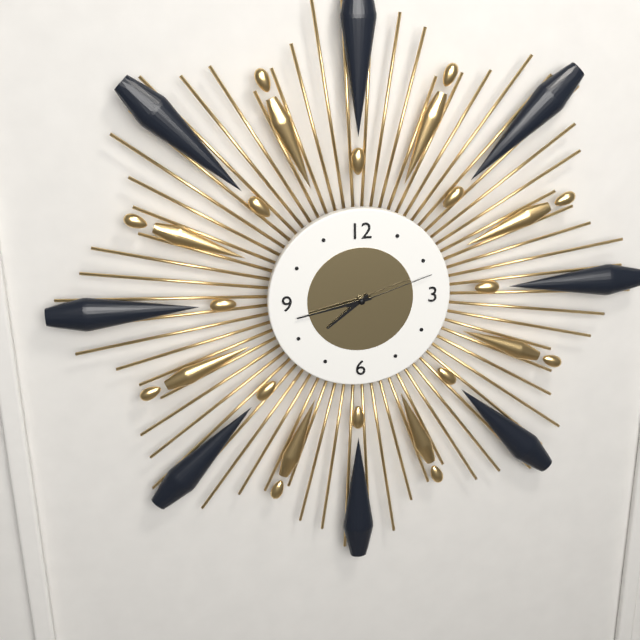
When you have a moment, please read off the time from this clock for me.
7:43:12
